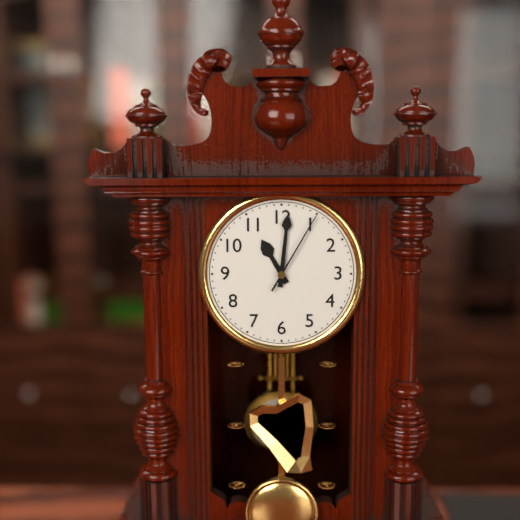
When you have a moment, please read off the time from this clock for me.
11:01:05
